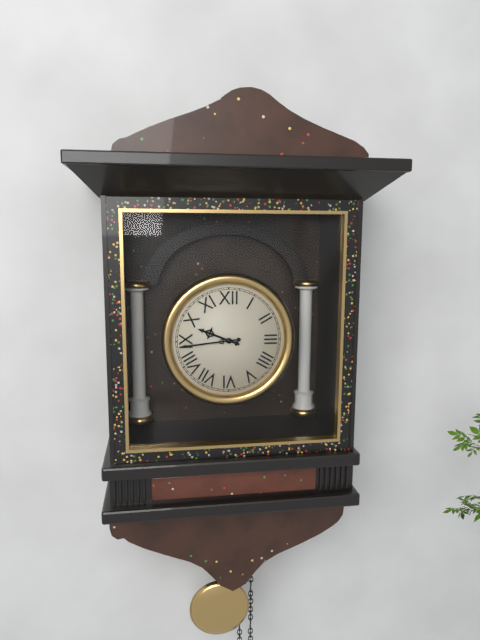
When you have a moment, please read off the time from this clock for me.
9:44
